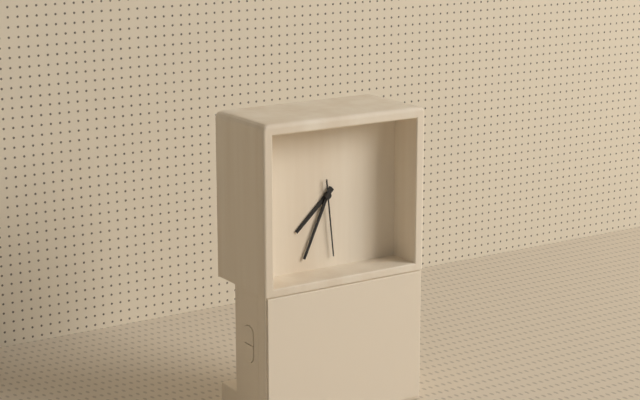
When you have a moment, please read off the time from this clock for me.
7:34:29
